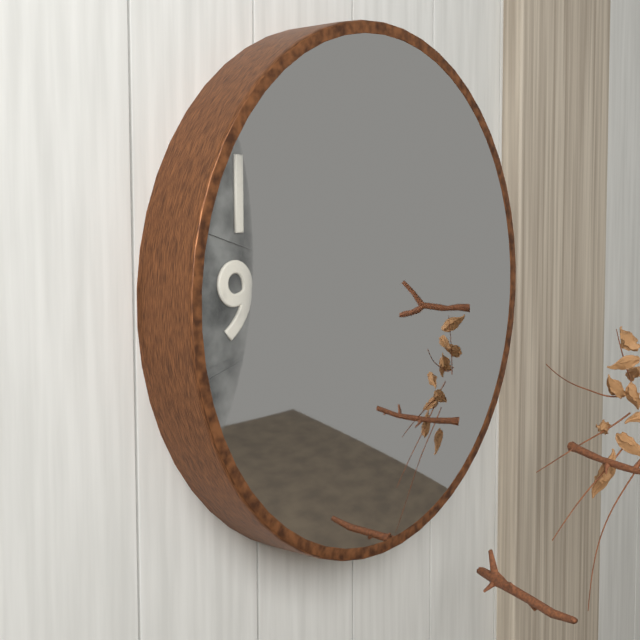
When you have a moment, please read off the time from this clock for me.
2:39
